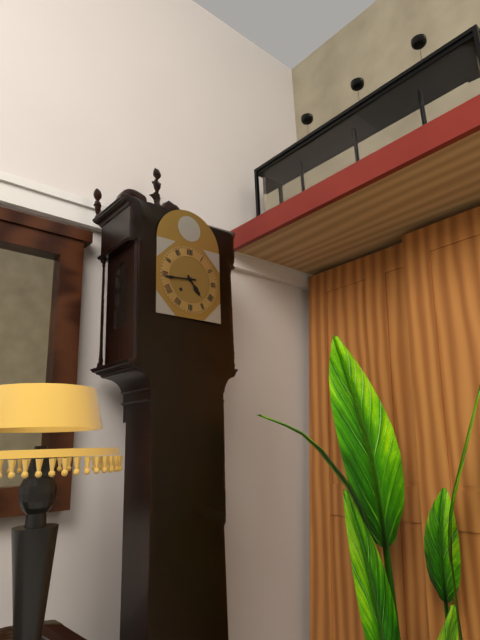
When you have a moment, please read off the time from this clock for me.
4:44
